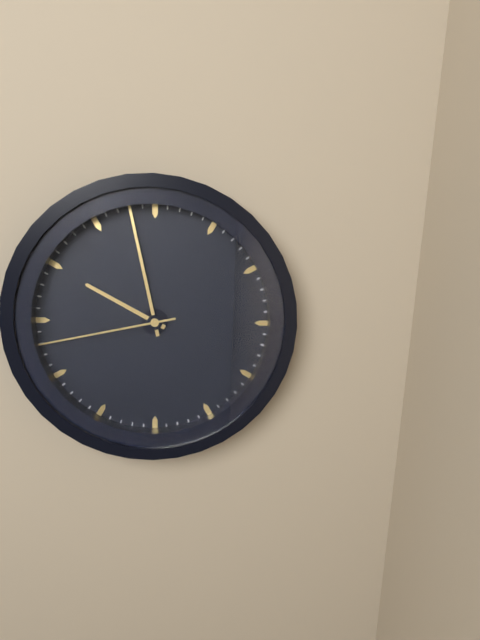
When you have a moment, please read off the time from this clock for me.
9:58:43
